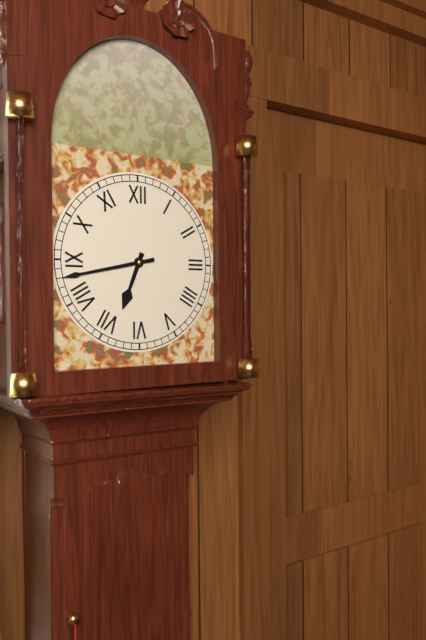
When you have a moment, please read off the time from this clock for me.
6:43
